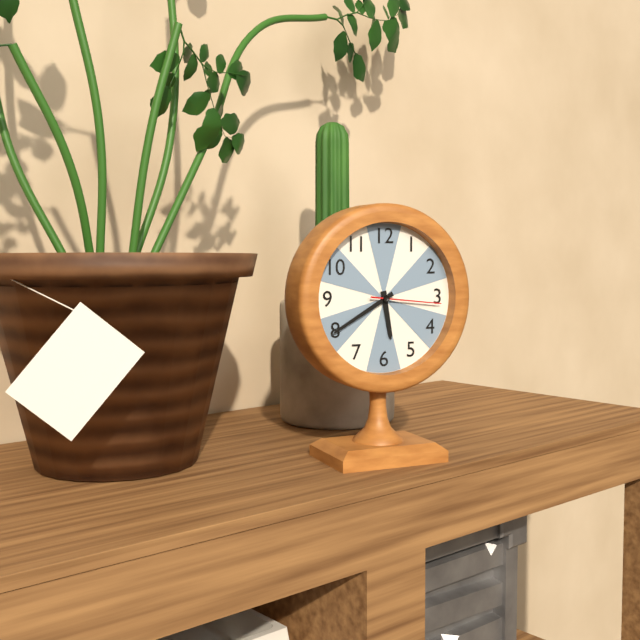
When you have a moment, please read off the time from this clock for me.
5:40:16
